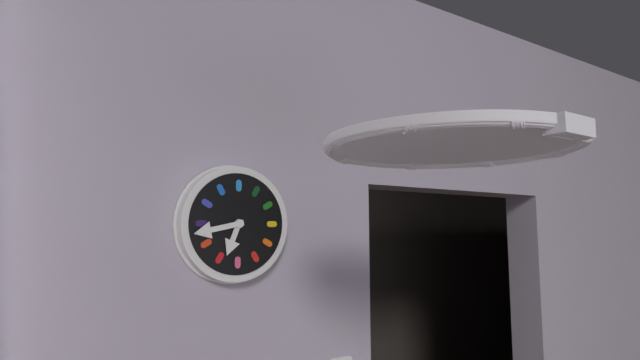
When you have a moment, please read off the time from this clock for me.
6:43
